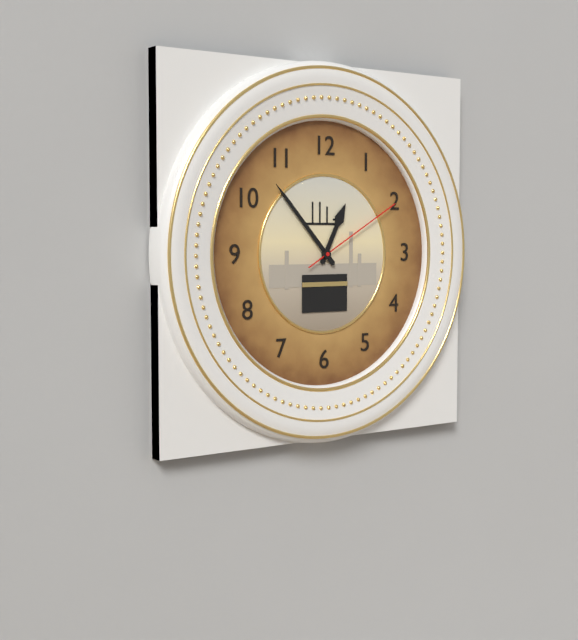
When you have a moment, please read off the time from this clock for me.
12:53:10
